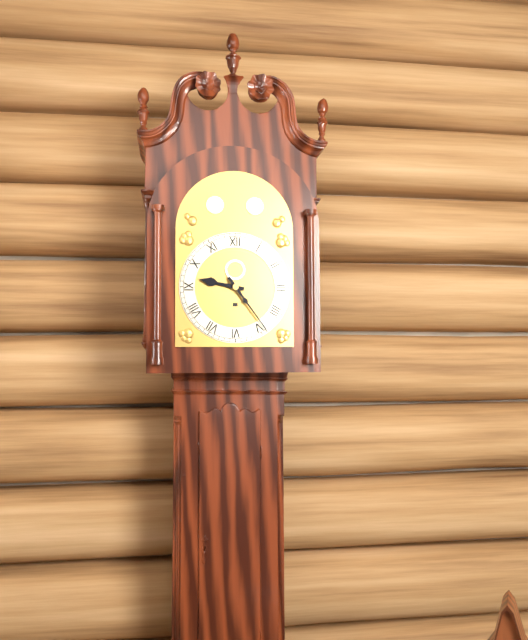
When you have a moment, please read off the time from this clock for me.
9:24
